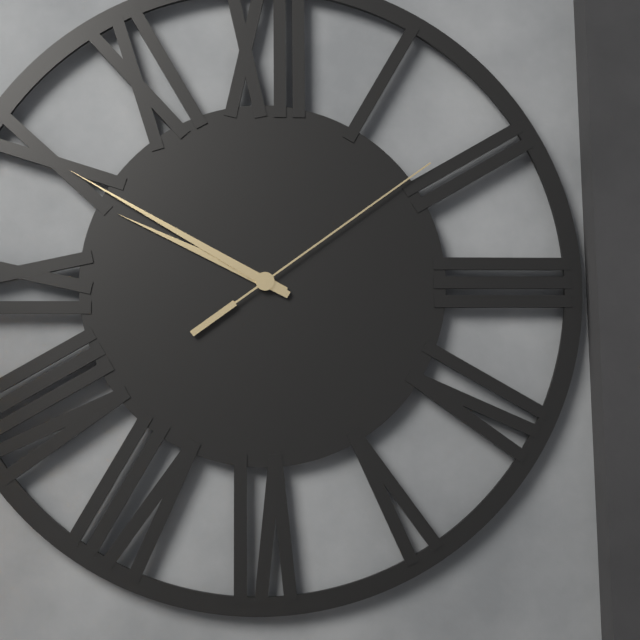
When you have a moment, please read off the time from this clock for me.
9:50:09
